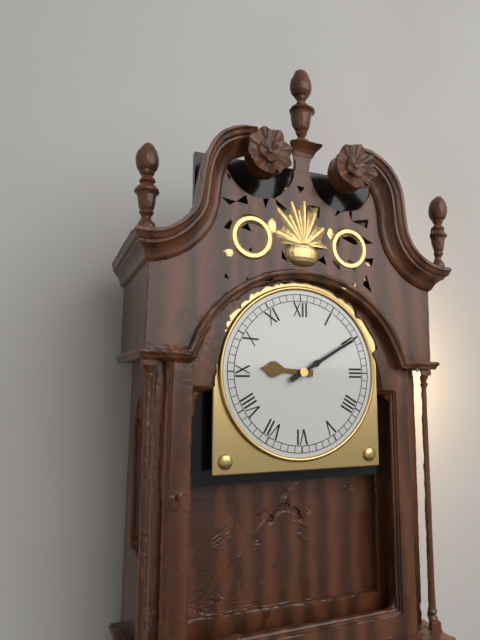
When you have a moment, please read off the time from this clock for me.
9:10
